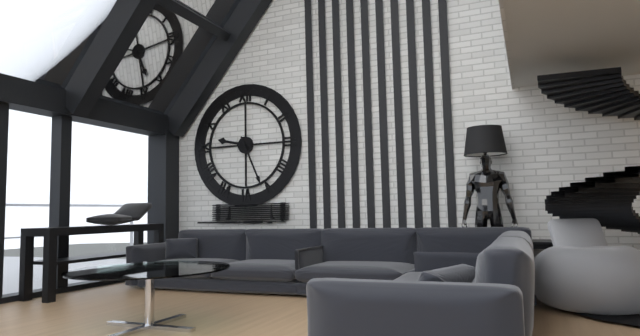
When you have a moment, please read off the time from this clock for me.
9:26
